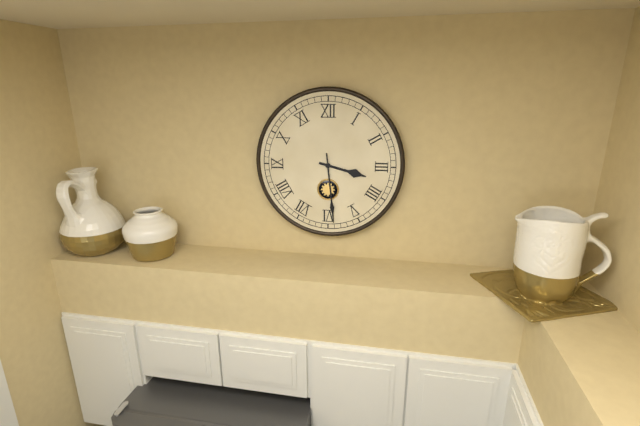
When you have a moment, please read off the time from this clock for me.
3:29
